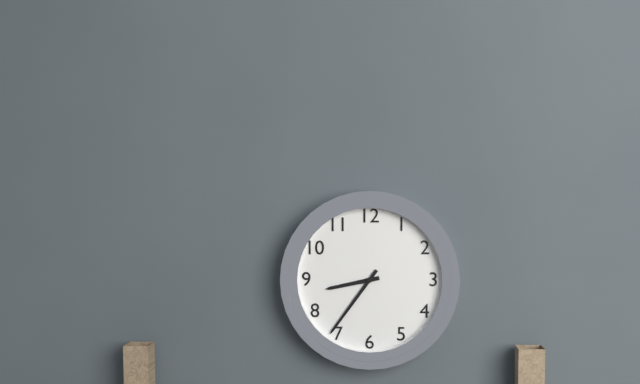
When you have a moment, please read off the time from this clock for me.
8:36
